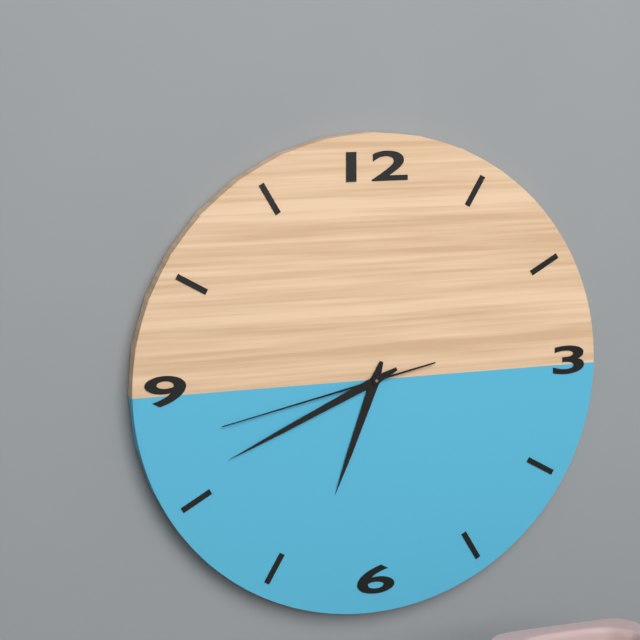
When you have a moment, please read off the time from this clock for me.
6:41:43
